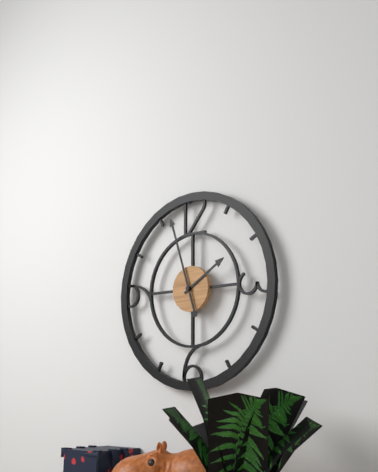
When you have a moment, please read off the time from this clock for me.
1:57
